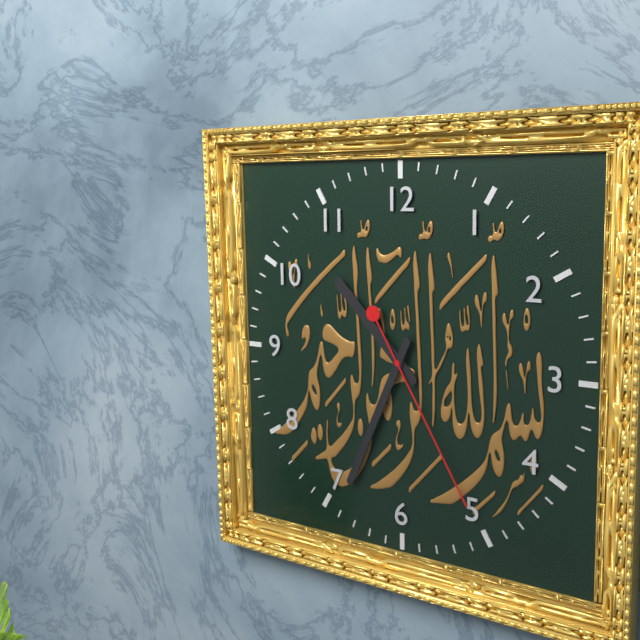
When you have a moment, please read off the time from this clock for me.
10:34:25
